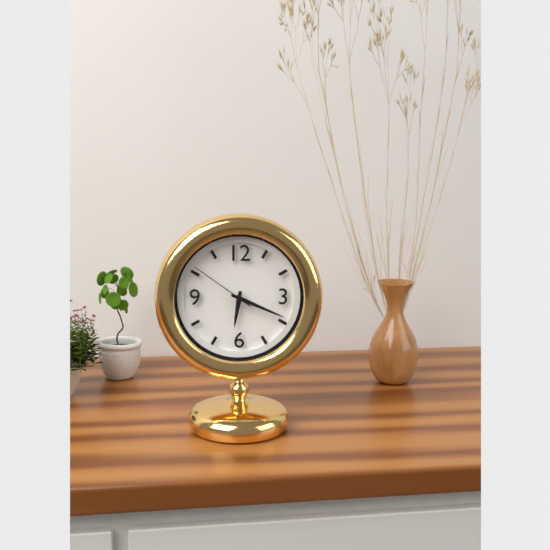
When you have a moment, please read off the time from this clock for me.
6:19:51
